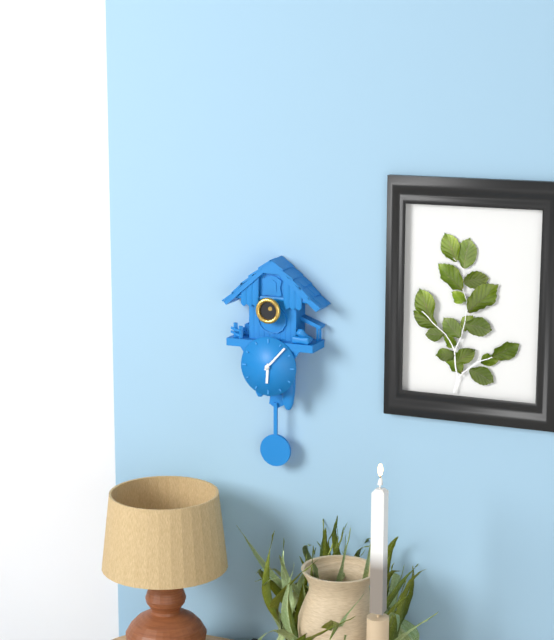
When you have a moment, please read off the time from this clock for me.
6:07
